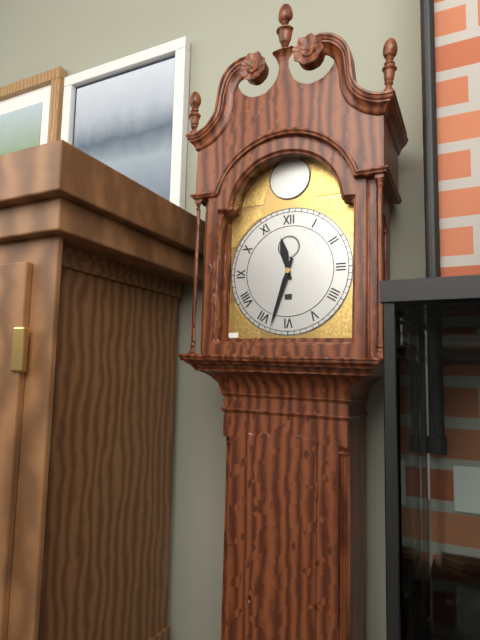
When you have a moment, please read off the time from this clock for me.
11:33
